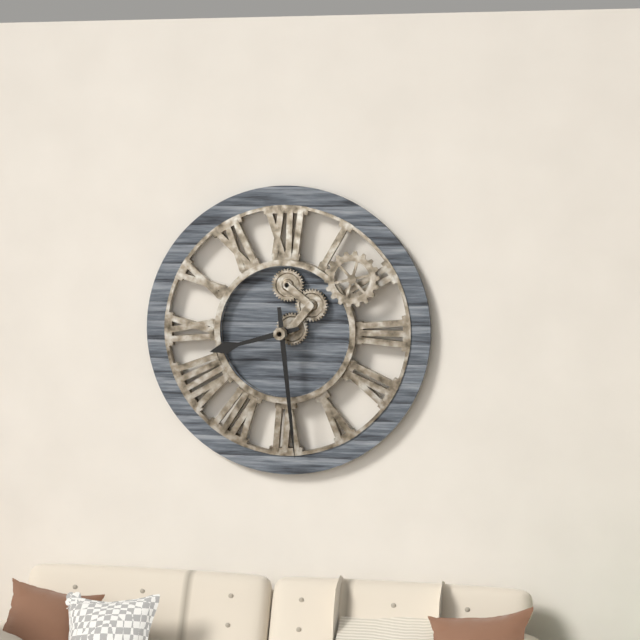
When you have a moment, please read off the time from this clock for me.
8:29
